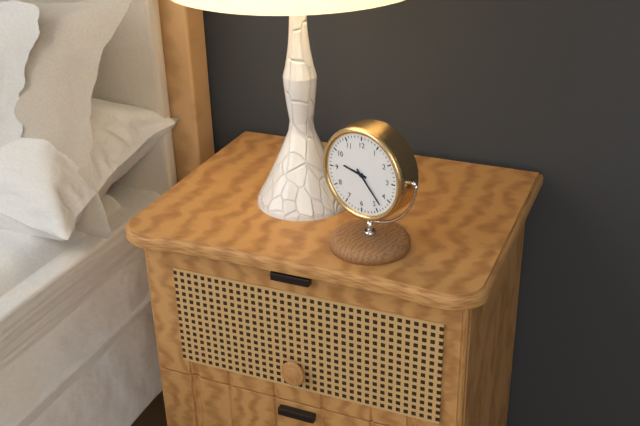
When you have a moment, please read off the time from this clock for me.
9:23
